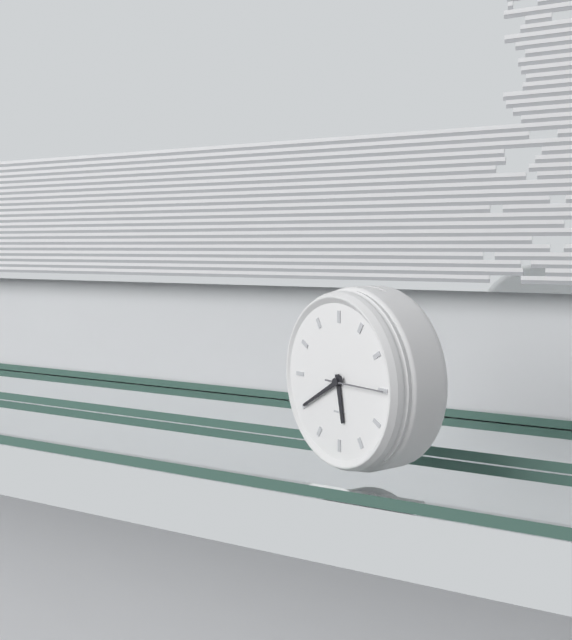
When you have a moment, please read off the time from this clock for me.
5:40:15
